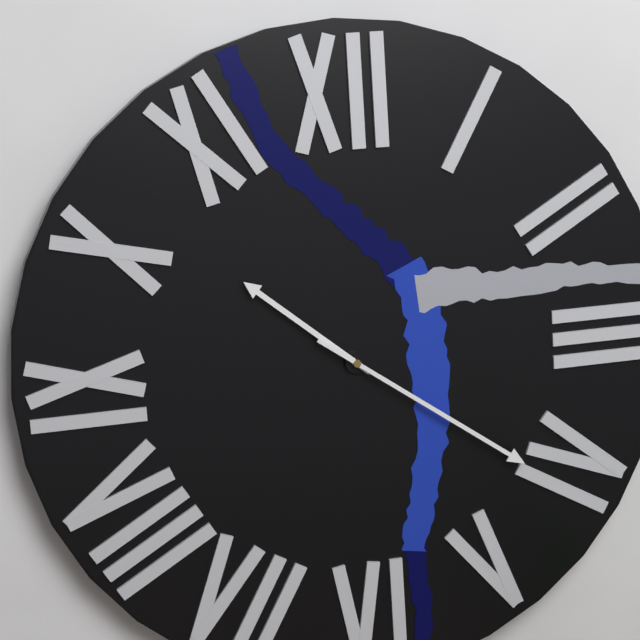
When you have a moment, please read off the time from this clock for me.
10:21
